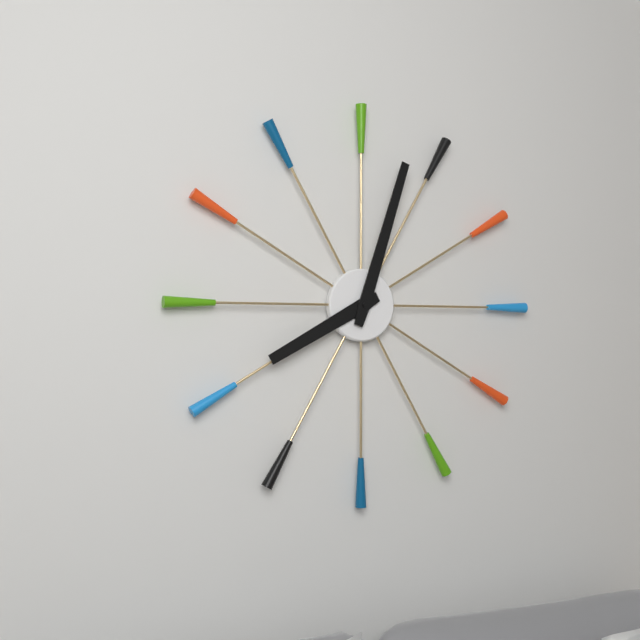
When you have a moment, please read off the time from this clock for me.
8:03
